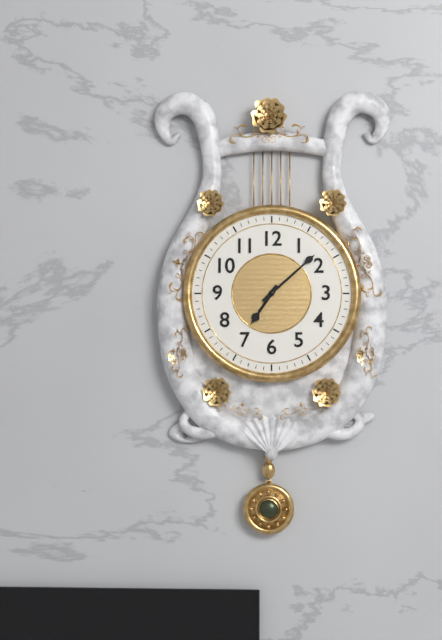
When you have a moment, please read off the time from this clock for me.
7:08
